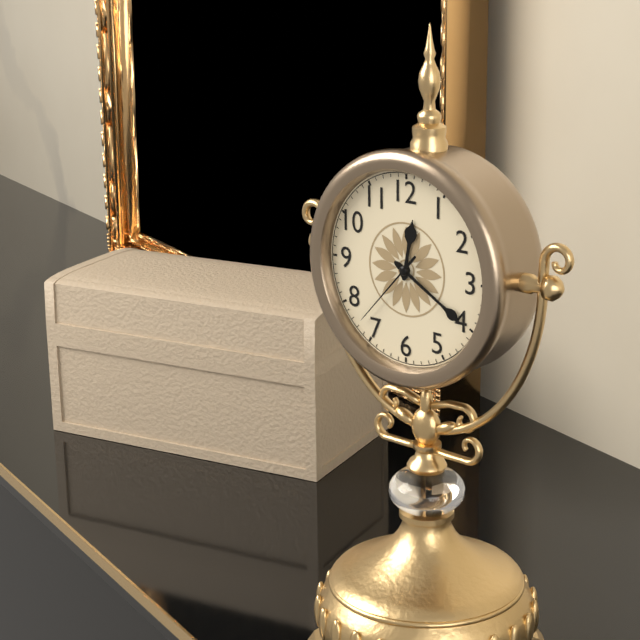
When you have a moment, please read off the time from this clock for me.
12:20:37
